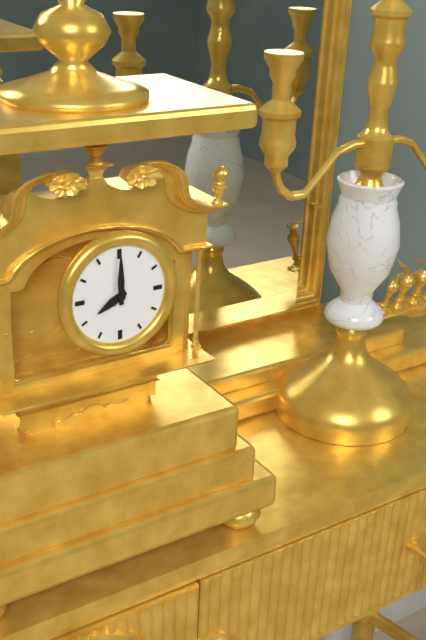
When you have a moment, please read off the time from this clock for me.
8:00
